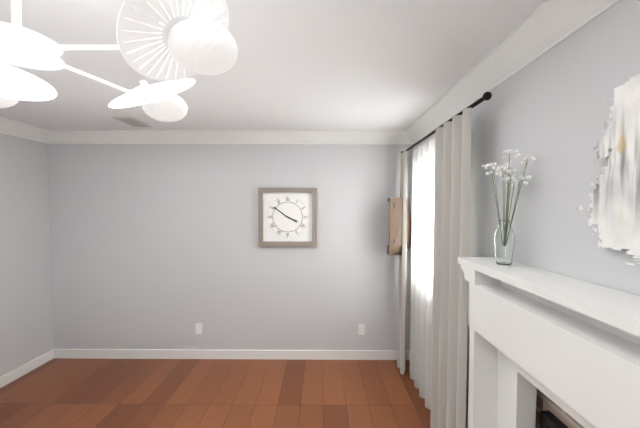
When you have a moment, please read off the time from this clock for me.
3:51
